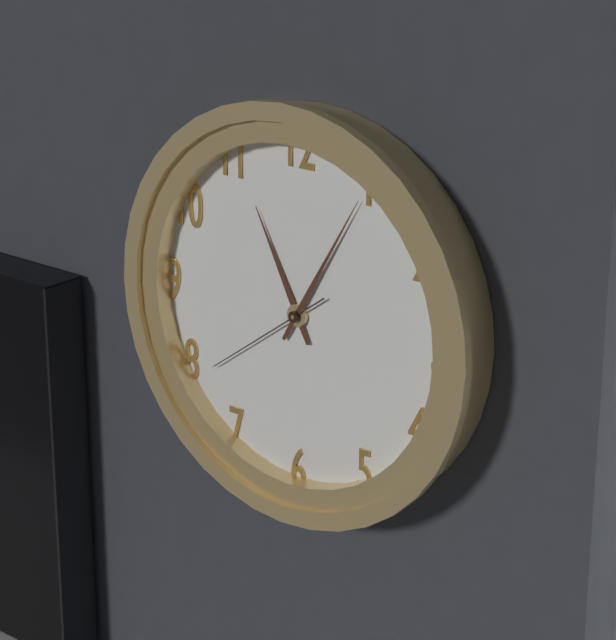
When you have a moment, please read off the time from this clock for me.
11:05:39
